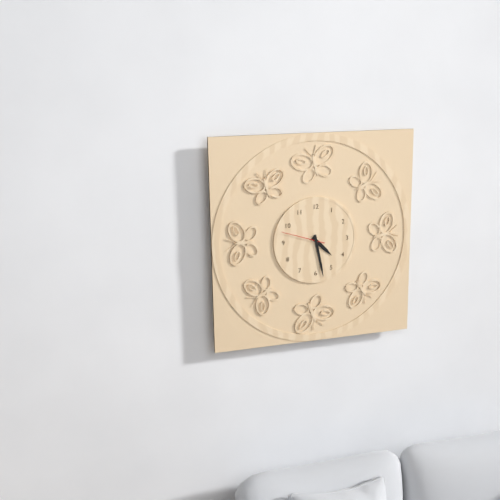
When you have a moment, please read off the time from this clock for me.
4:28
